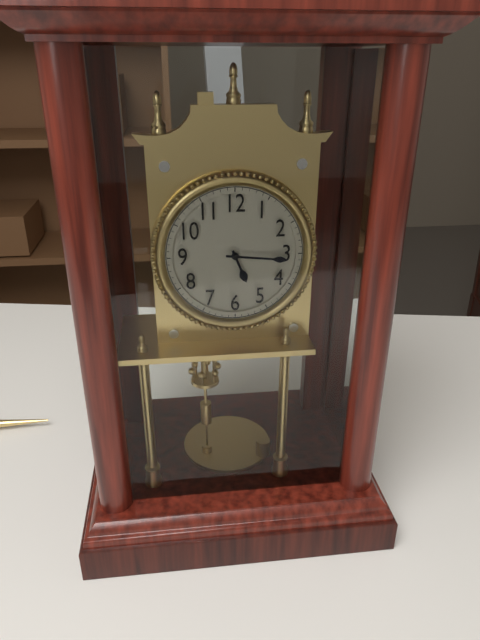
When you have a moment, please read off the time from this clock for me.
5:16
